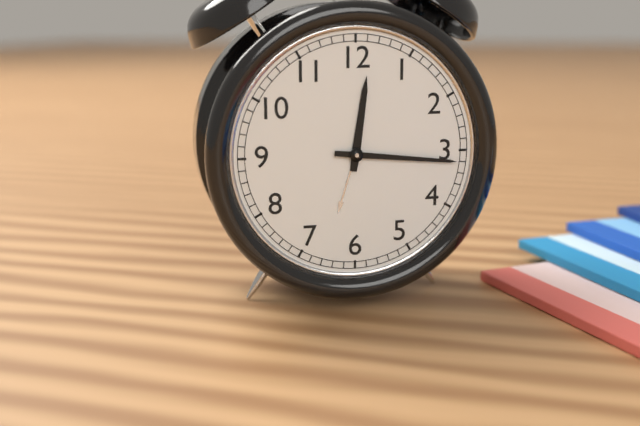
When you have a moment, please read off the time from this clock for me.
12:16
